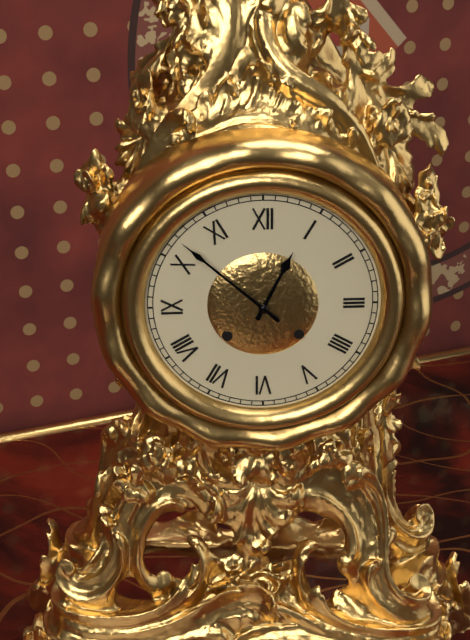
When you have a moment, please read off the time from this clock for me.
12:52
